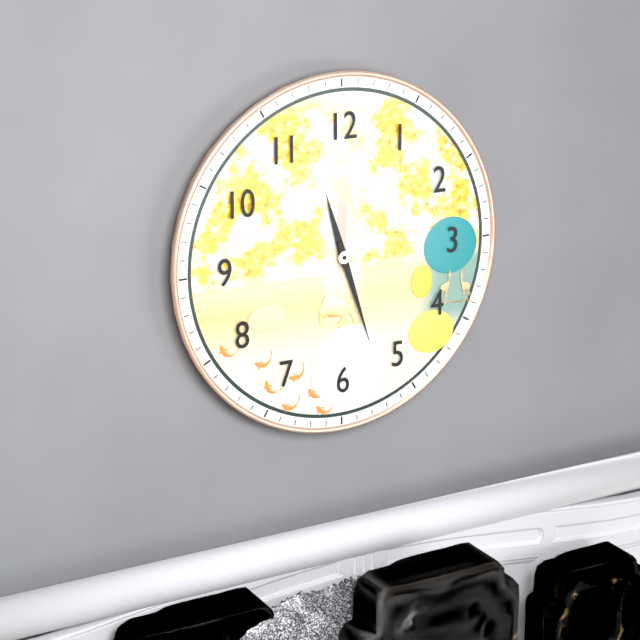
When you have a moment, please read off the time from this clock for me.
11:27
